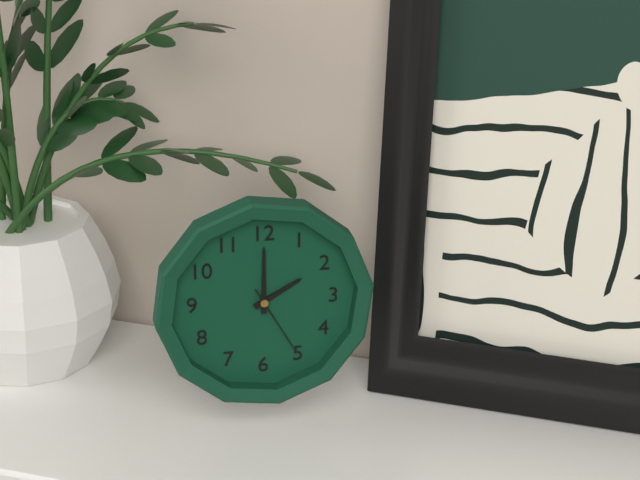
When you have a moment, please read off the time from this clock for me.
2:00:25
